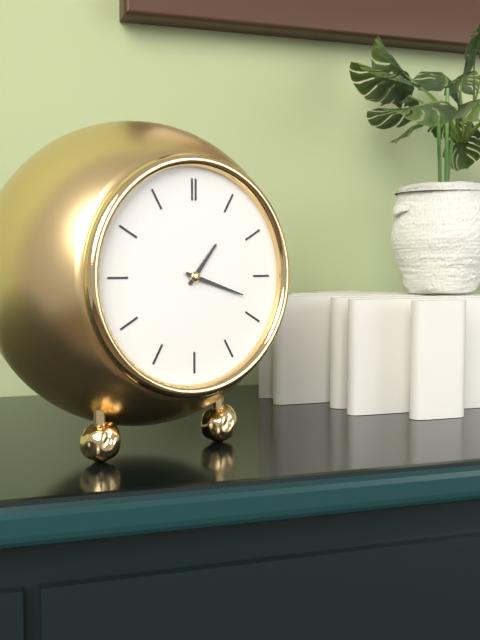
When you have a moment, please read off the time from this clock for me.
1:18
